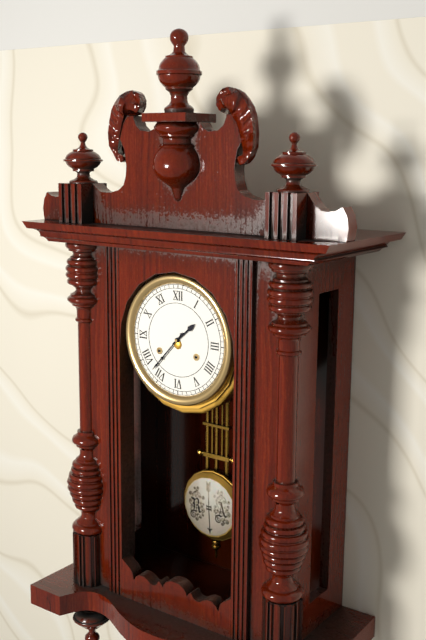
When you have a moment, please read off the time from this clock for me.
1:37
